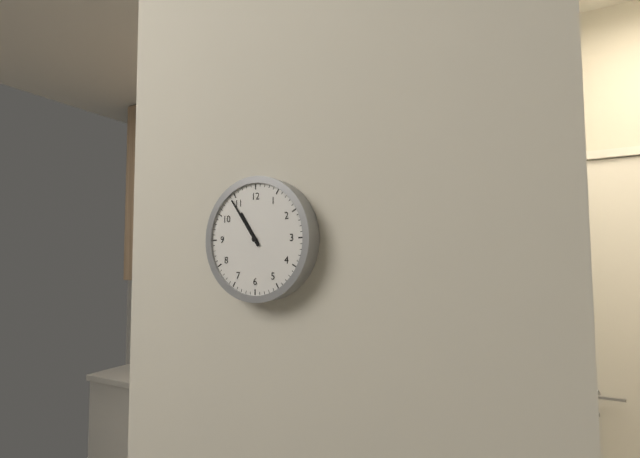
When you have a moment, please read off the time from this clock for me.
10:54
